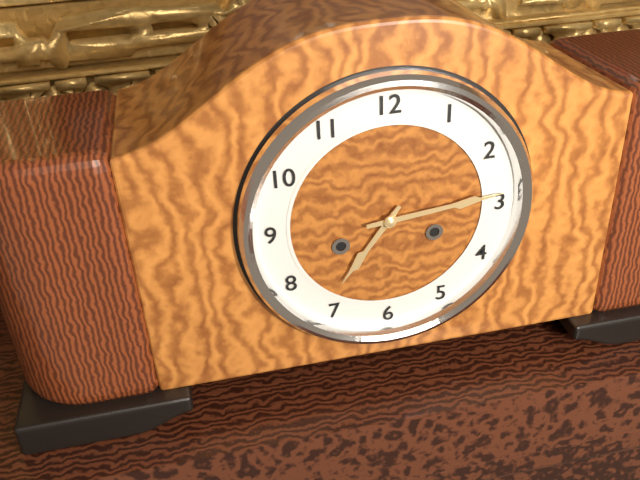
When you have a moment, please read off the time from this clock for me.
7:14
